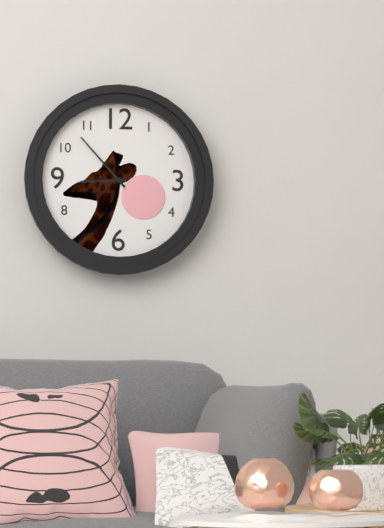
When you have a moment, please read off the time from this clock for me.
8:53
